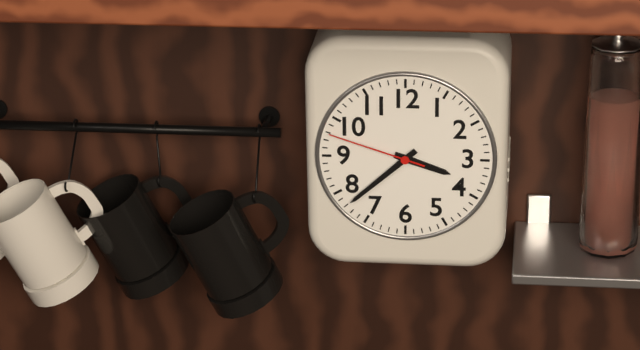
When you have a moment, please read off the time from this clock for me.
3:38:48
